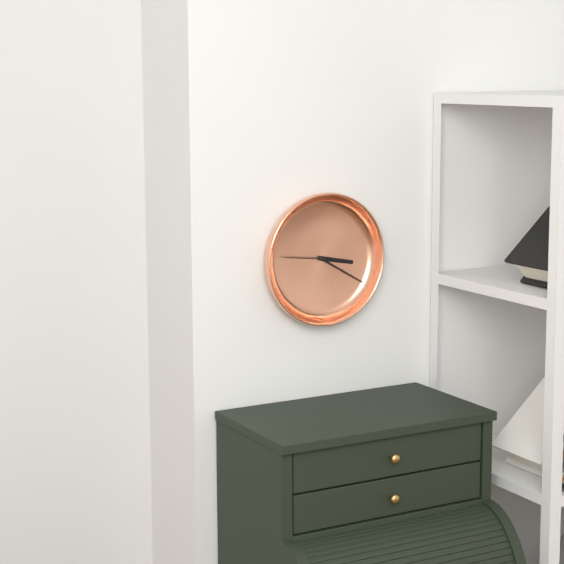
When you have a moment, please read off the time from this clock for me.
3:20
